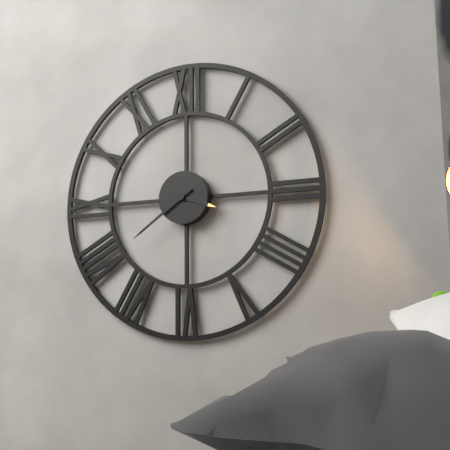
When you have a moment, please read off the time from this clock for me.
3:39
